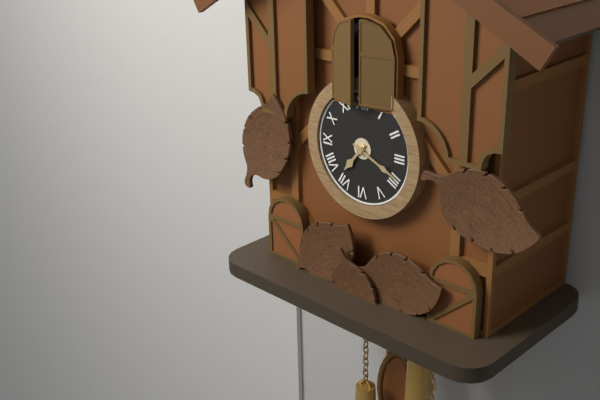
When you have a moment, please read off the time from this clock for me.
7:19
